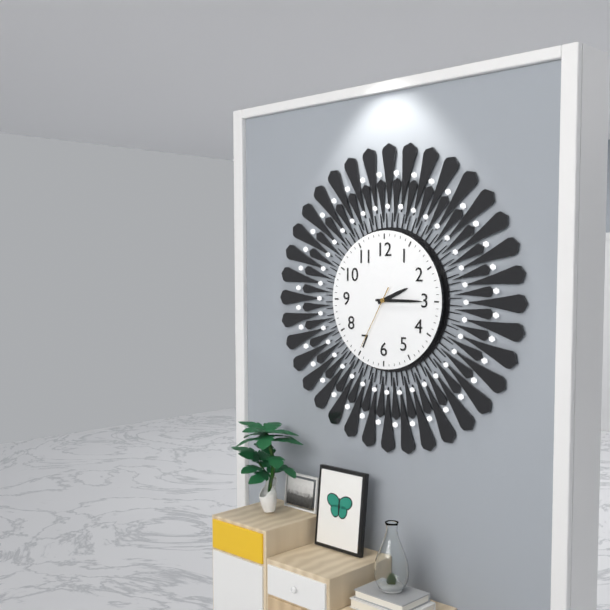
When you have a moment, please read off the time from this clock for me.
2:15:35
